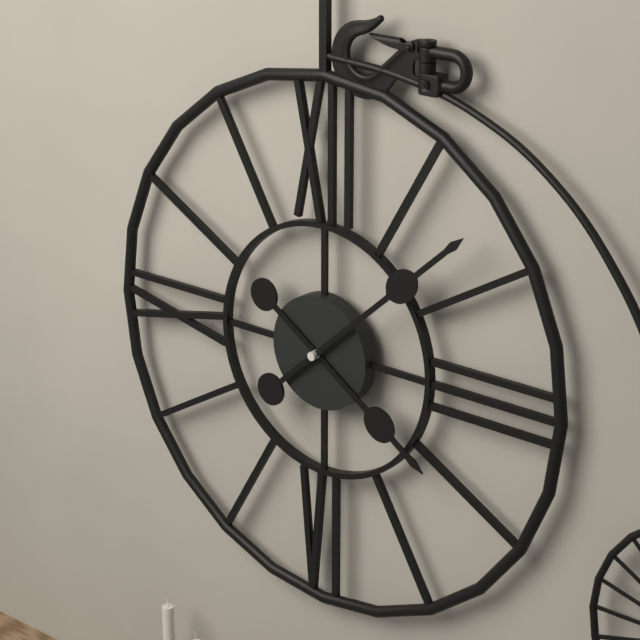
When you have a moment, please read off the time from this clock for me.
4:08
